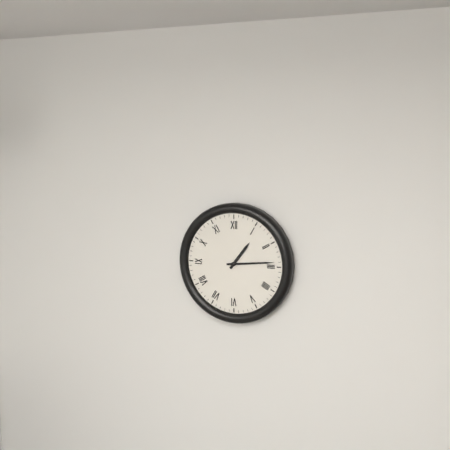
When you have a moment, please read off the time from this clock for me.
1:14
